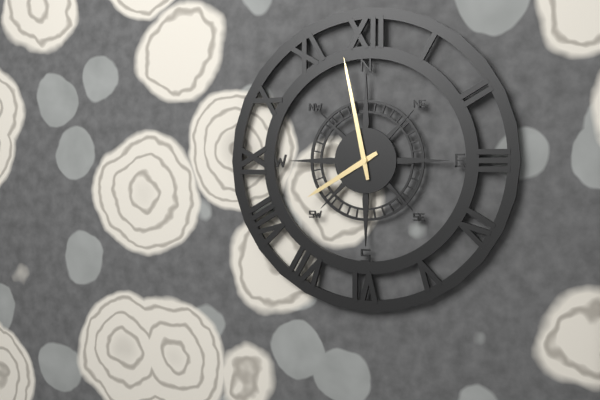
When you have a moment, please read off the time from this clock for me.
7:58
